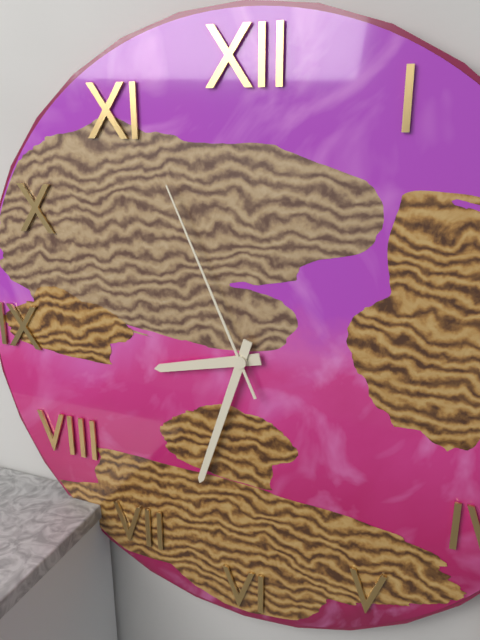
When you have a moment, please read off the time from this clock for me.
8:33:56
